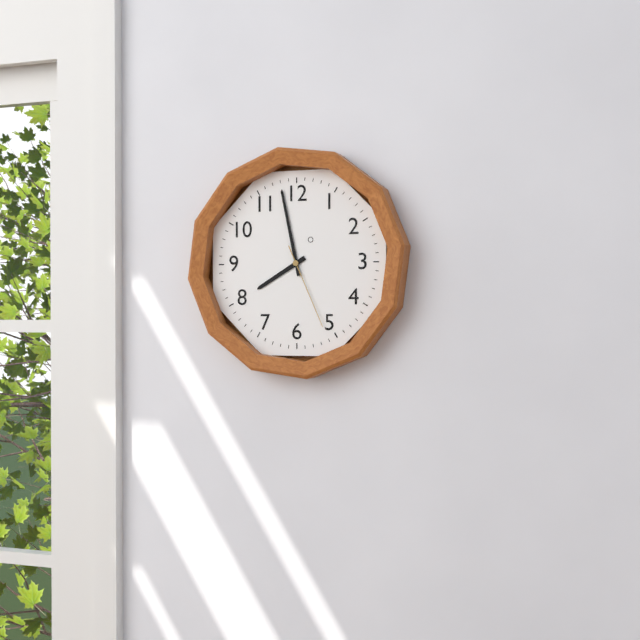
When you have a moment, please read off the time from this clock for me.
7:58:26
